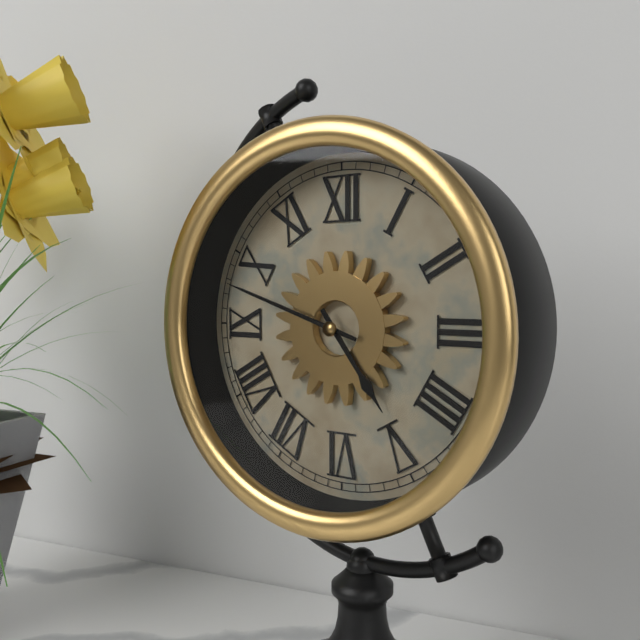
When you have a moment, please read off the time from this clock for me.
4:48
